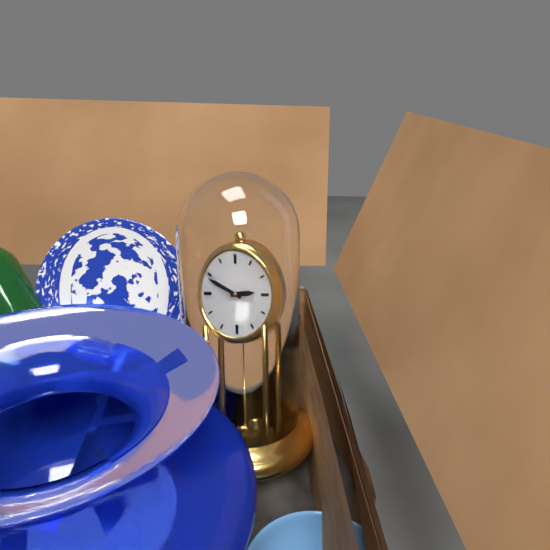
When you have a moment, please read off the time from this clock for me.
2:49
